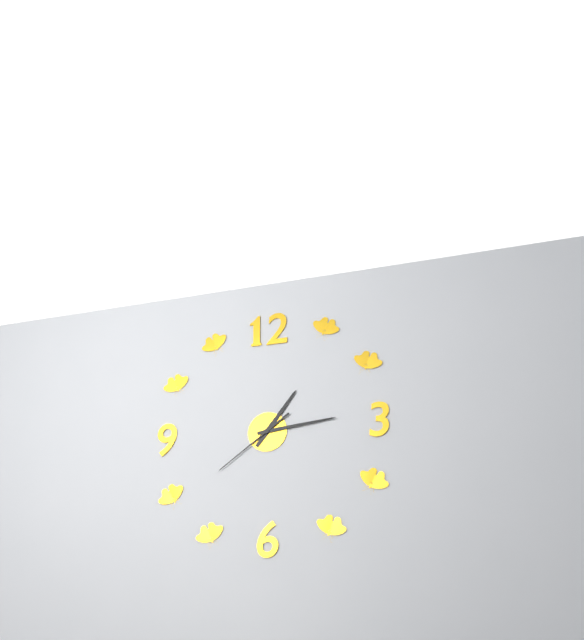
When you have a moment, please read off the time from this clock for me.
1:14:39
